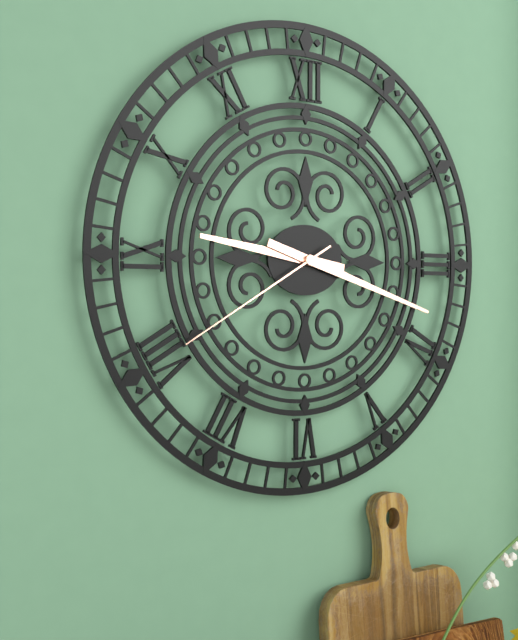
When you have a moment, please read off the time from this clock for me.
9:18:40
